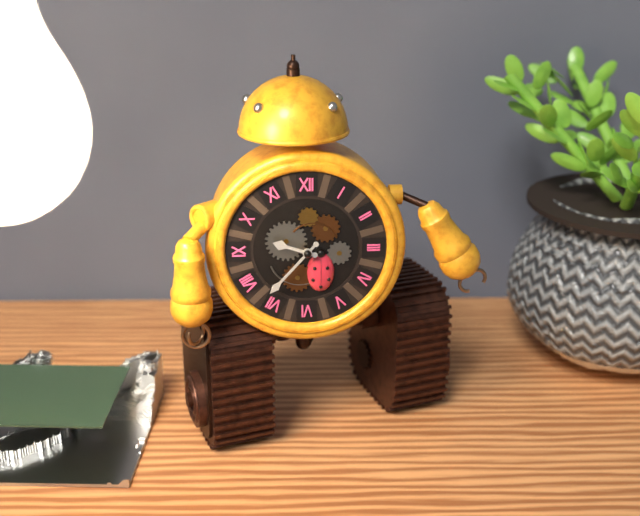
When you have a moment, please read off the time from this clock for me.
9:37
